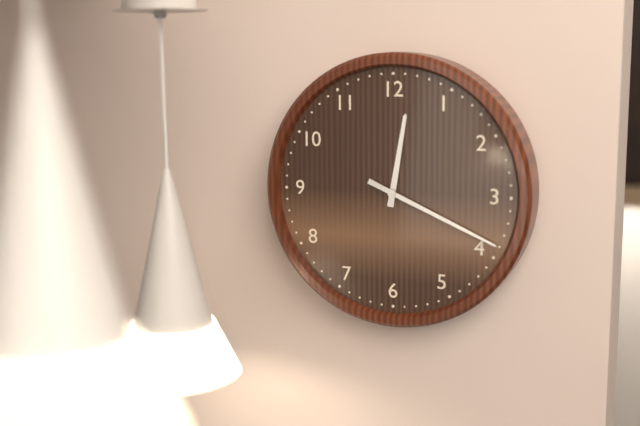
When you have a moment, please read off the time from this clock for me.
12:19
